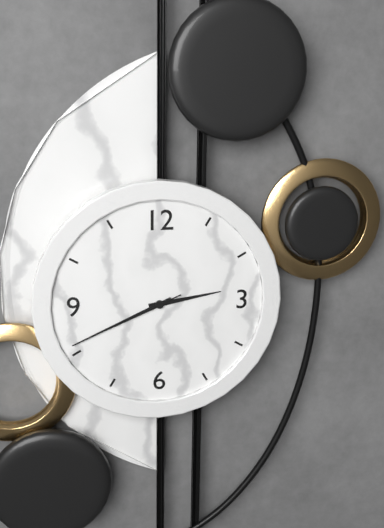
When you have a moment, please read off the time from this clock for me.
2:41:41
